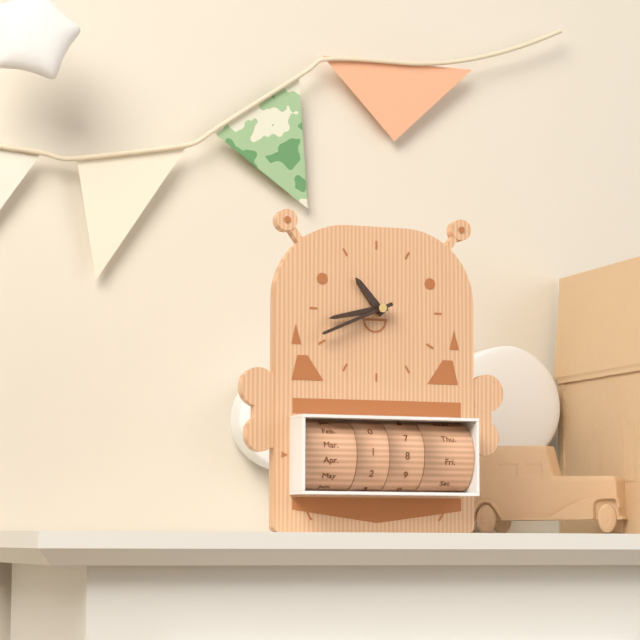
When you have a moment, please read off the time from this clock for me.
10:43:41
